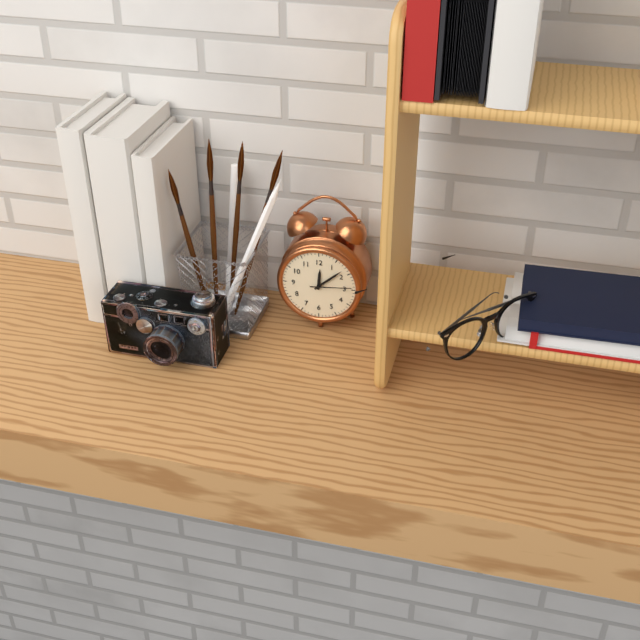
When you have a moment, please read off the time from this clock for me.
12:08
